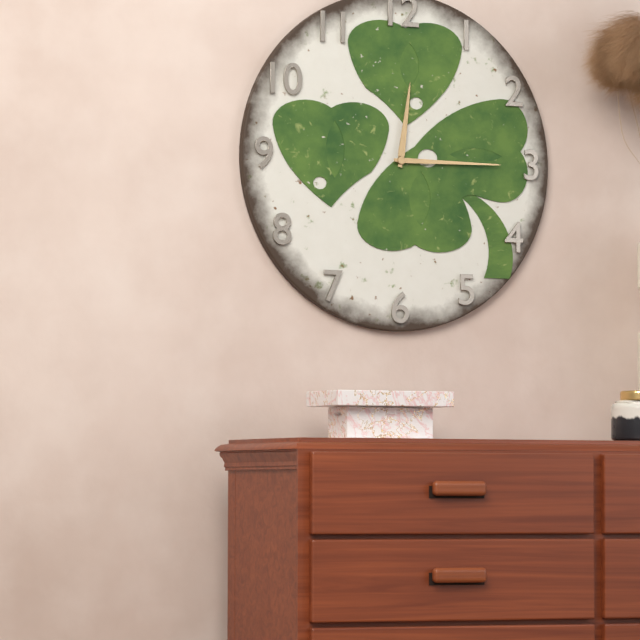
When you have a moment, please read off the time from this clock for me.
12:15
